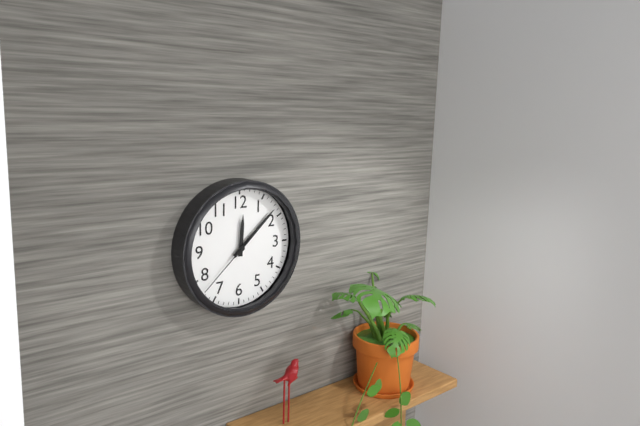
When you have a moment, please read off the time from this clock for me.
12:08:38
